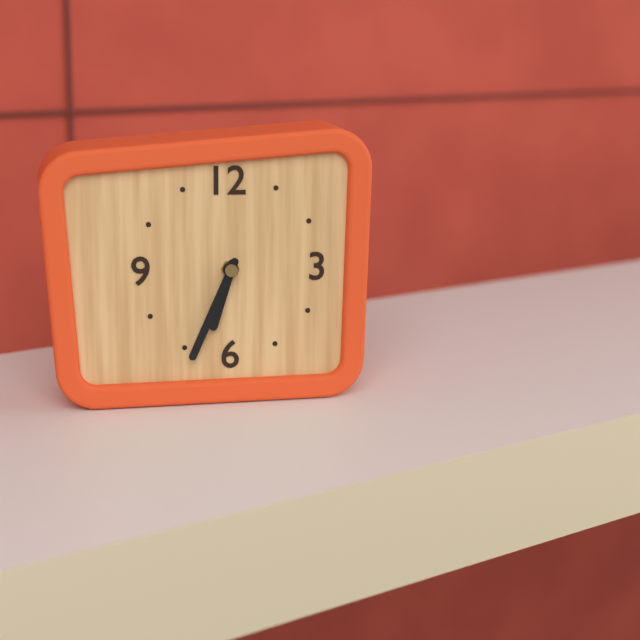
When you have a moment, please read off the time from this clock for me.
6:34
